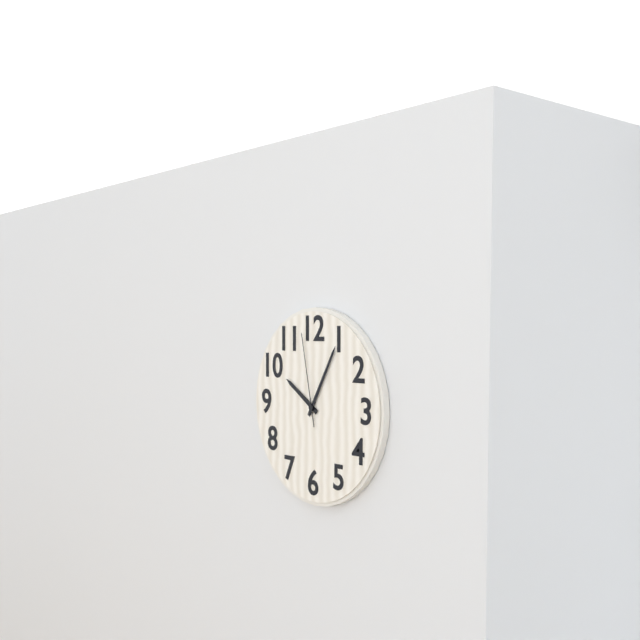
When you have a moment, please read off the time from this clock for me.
10:05:58
